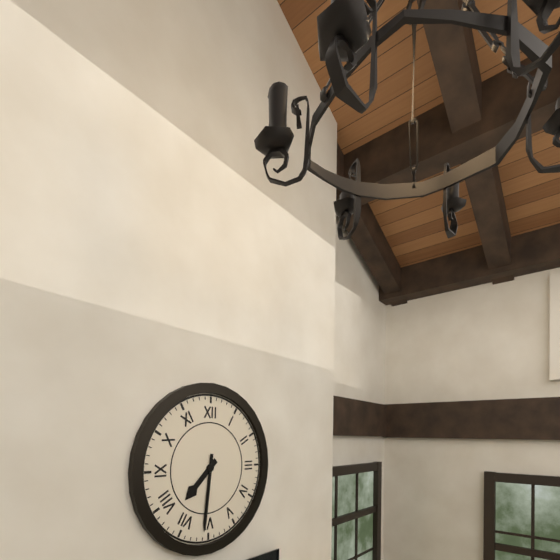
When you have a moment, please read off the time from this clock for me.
7:31
